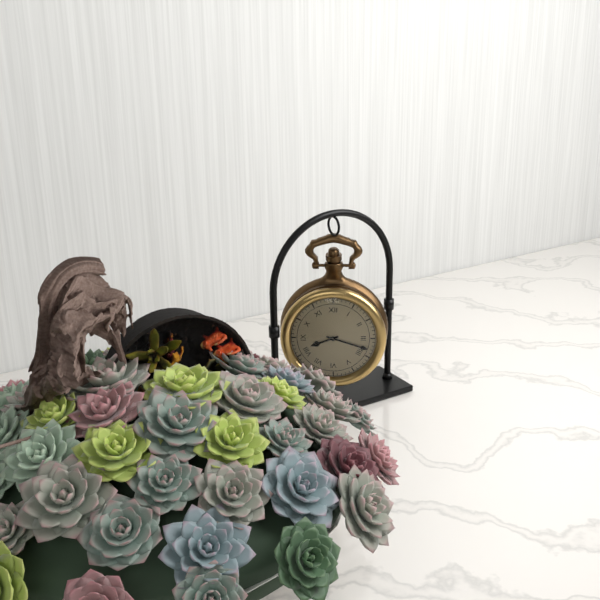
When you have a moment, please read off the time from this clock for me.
8:18
